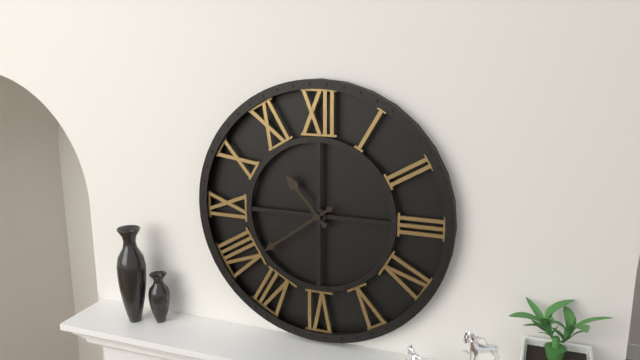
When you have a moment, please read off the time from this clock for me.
10:39
